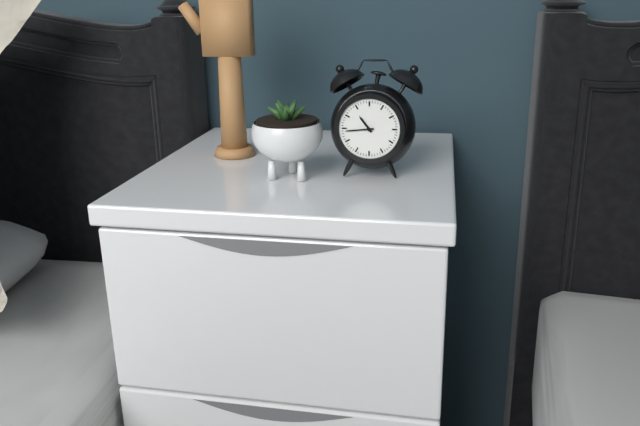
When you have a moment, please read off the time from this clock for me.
10:44
